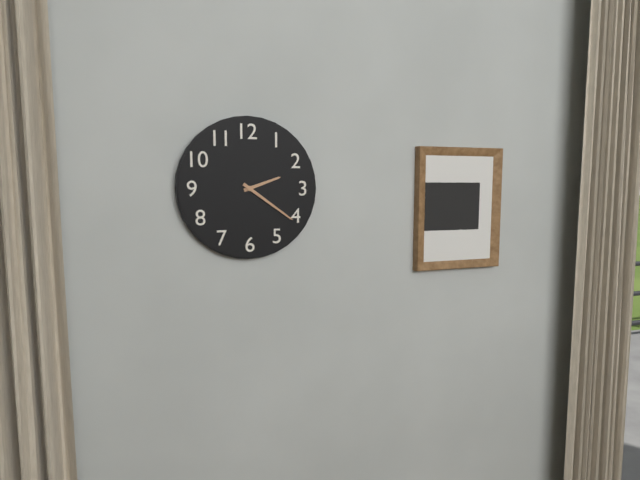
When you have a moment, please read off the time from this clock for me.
2:21
